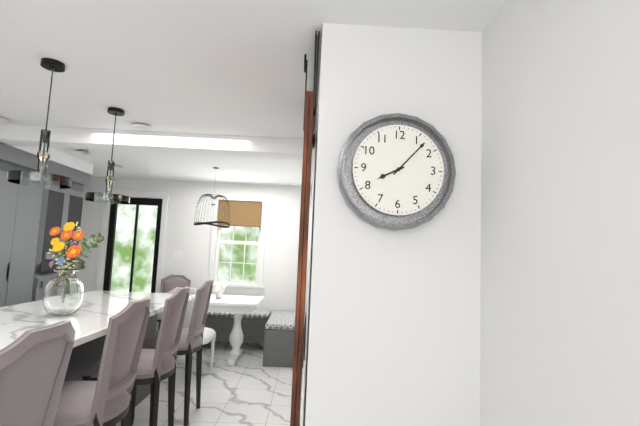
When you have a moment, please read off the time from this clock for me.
8:07
